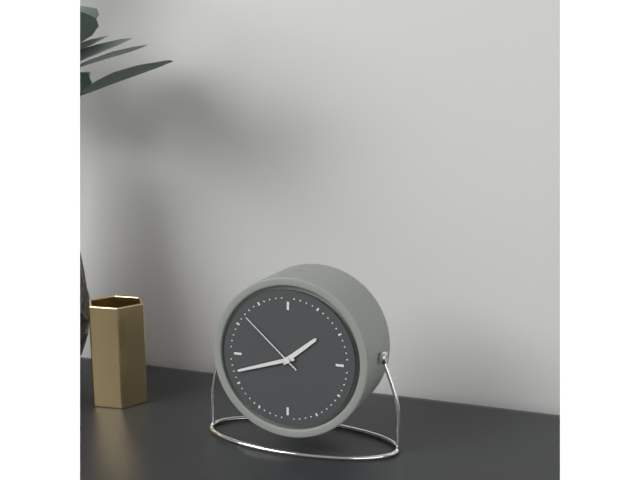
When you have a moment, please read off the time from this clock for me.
1:42:52
